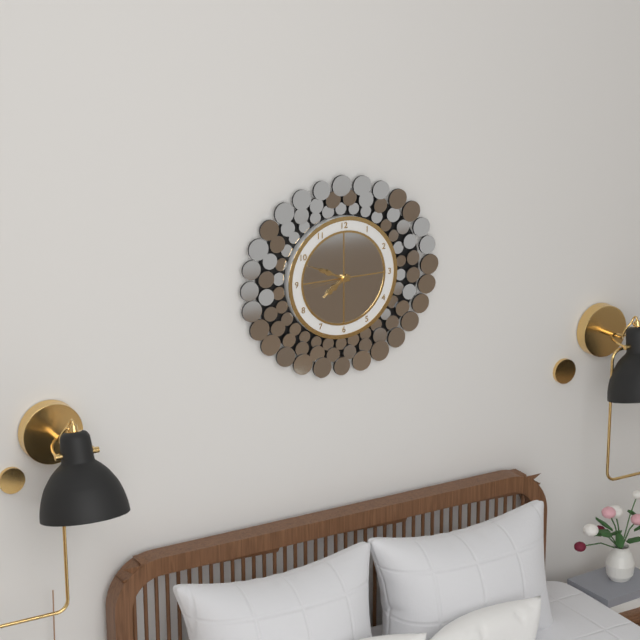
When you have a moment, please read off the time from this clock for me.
7:49
